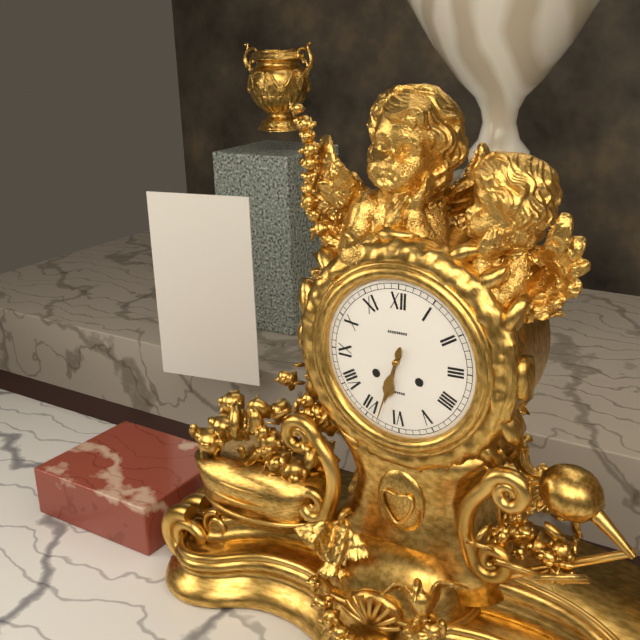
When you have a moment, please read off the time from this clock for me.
6:33
